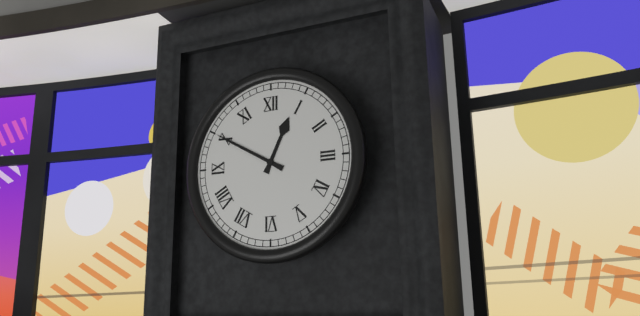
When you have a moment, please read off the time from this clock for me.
12:50
